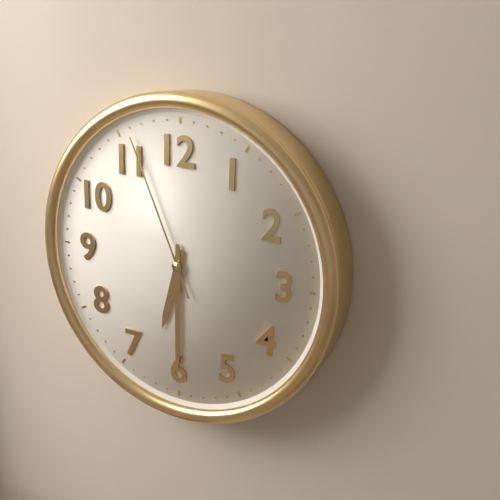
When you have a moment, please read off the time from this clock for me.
6:30:56
